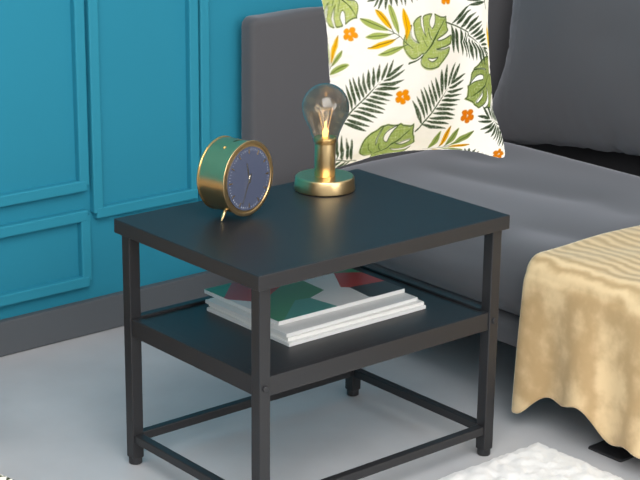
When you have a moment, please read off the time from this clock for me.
11:34
